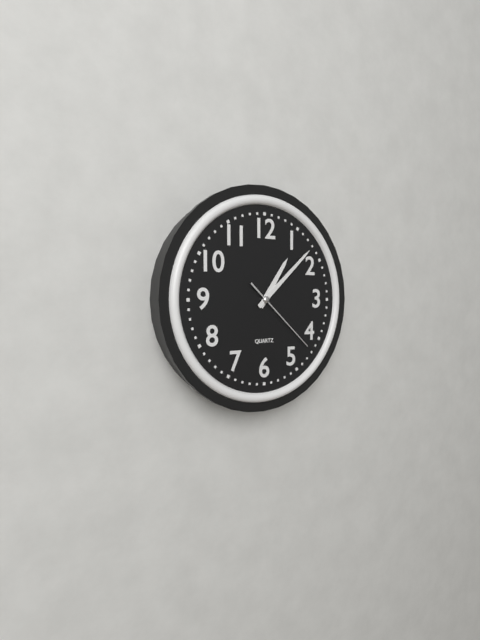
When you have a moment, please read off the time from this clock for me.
1:08:22
